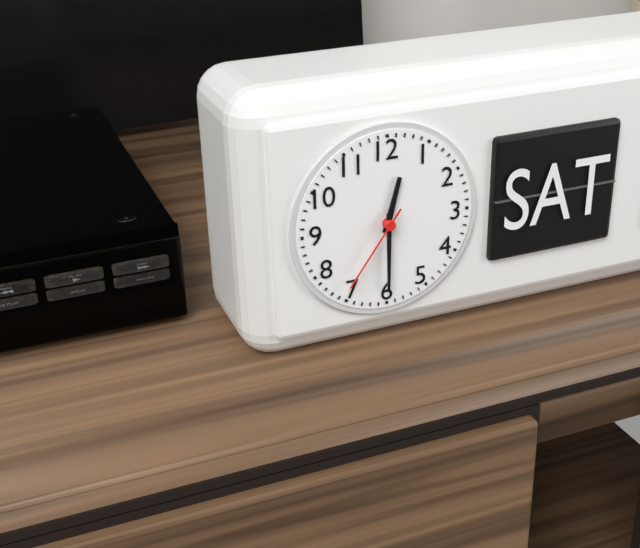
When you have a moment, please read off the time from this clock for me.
12:30:36
